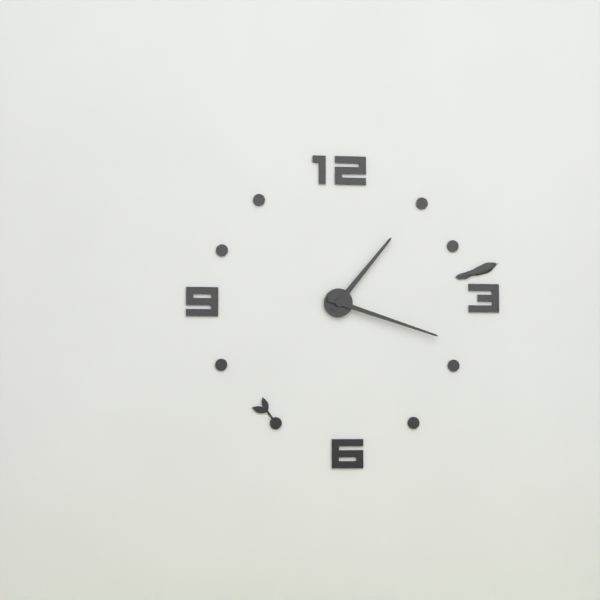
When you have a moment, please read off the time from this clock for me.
1:18
